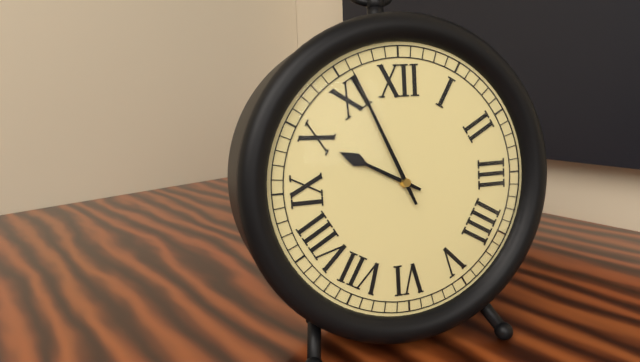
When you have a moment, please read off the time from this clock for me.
9:56
